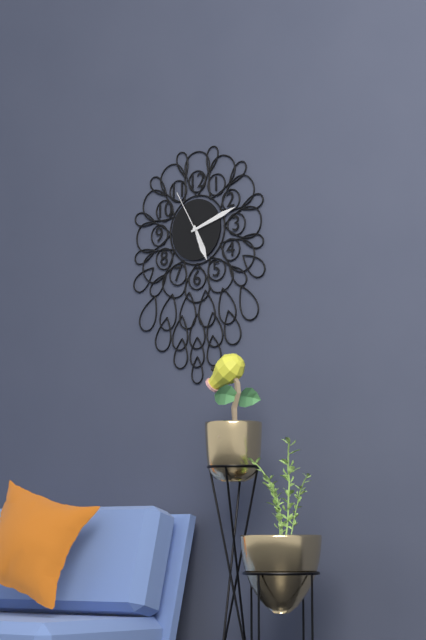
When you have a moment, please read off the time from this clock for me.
5:12:55
